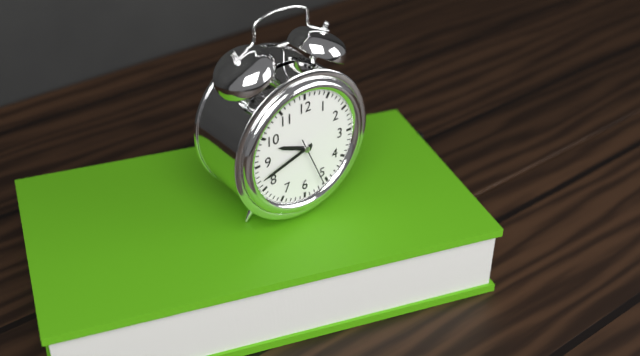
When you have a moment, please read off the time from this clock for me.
9:42
